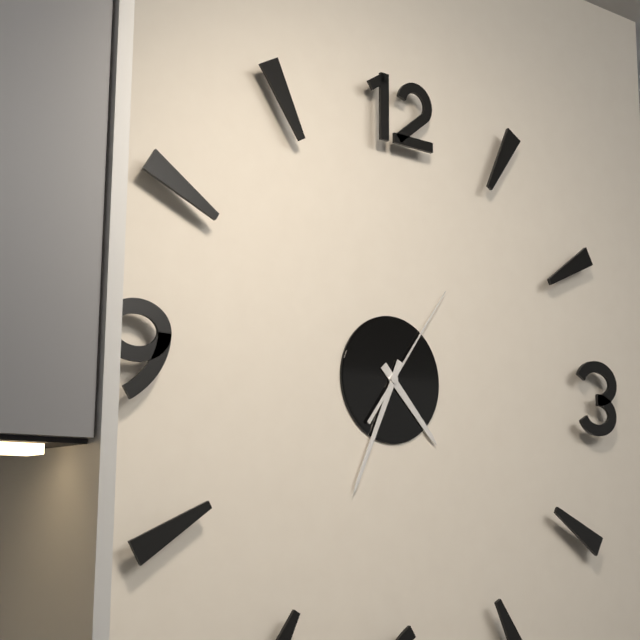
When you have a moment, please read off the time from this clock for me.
4:34:06
